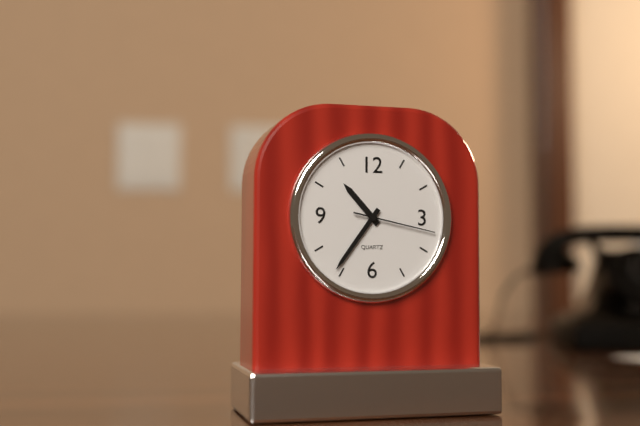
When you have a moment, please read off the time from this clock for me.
10:36:17
